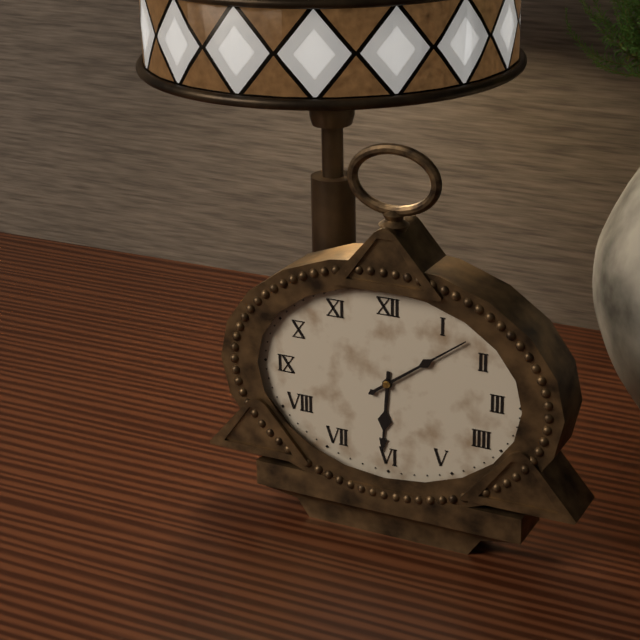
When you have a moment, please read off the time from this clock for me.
6:09
